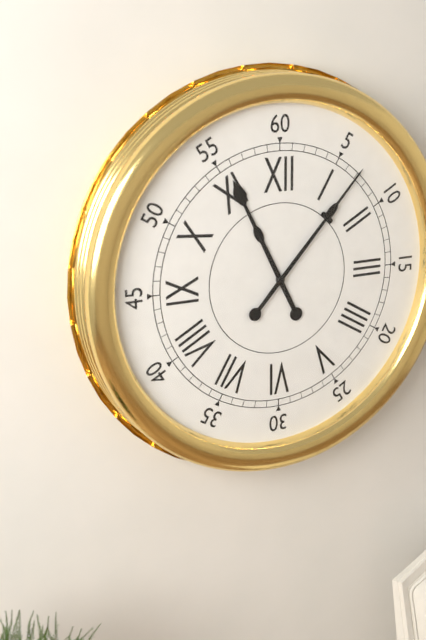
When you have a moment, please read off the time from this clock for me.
11:07
